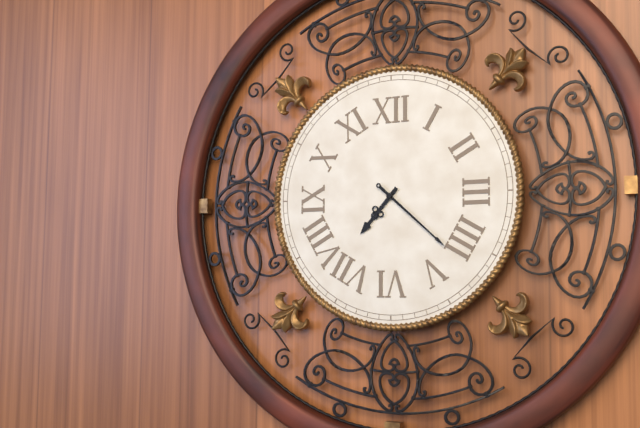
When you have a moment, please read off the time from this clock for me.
7:22
